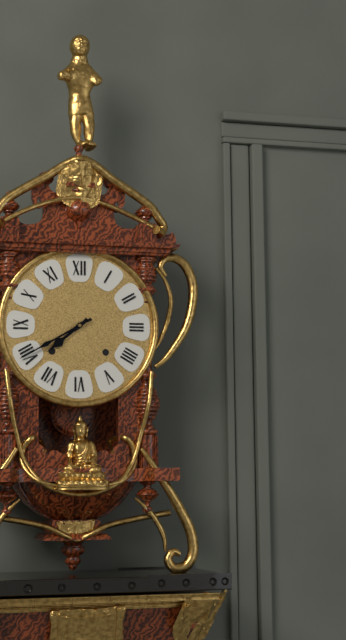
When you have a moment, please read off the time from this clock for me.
7:40
